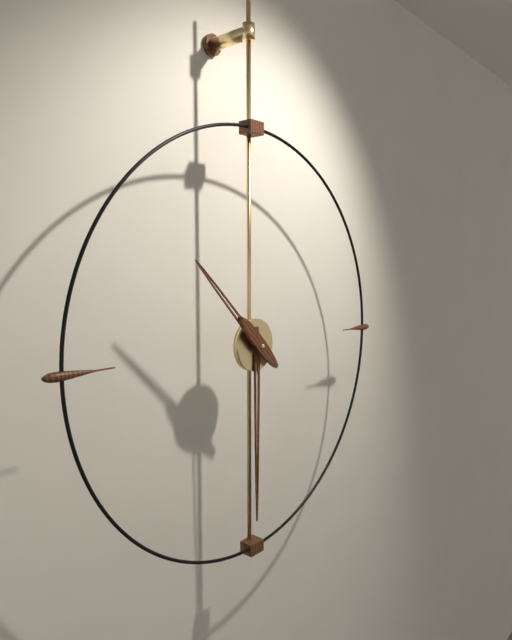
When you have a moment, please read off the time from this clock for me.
10:30
